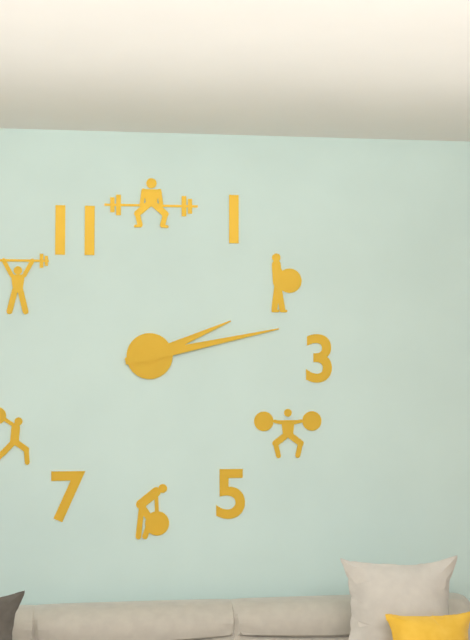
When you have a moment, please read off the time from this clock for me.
2:13
